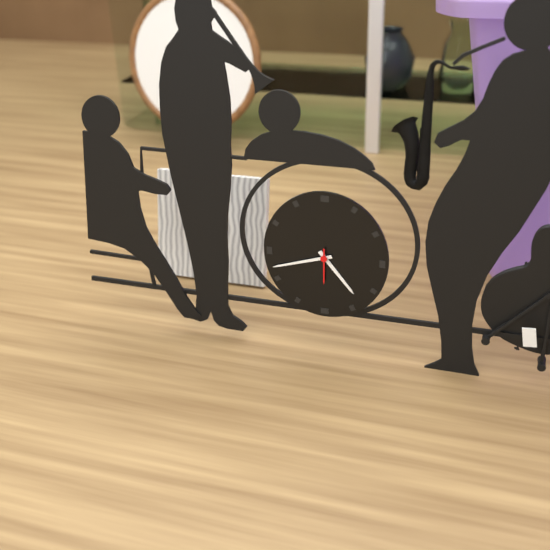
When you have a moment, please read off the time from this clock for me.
4:42
